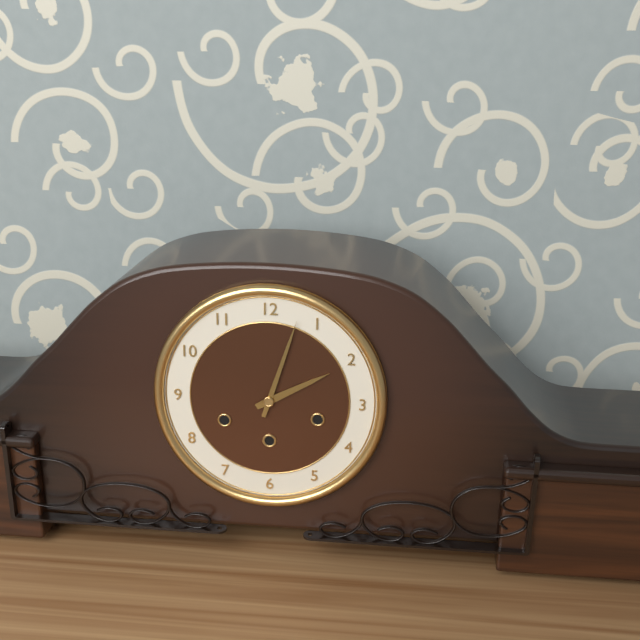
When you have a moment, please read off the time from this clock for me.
2:03
